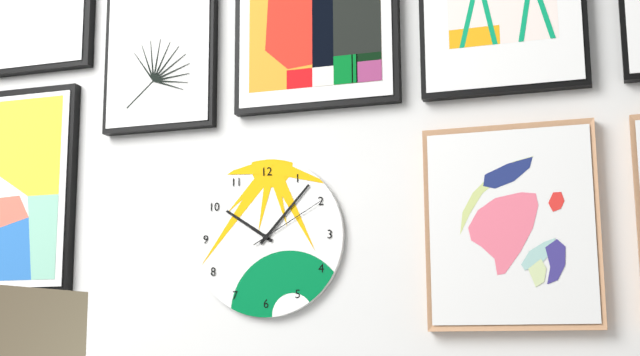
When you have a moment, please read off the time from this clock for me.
10:07:10
